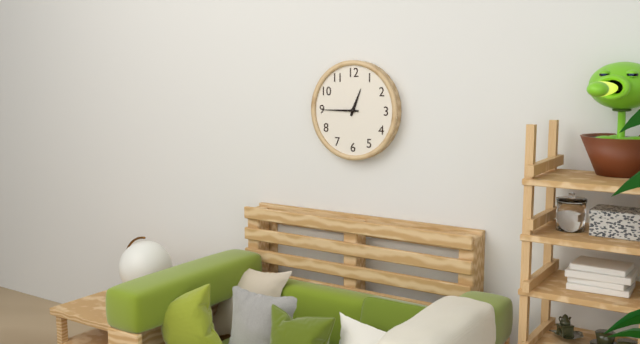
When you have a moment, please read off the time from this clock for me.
12:45
